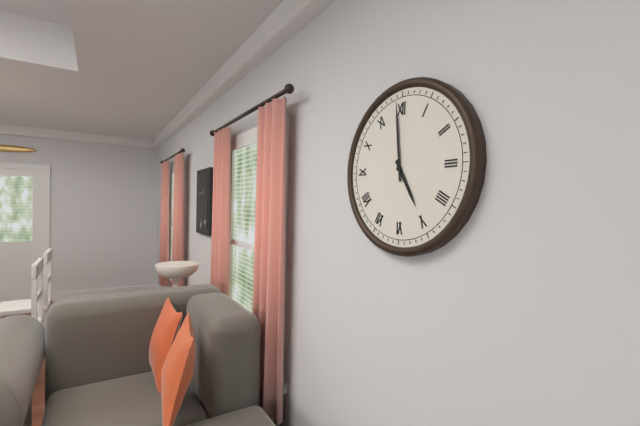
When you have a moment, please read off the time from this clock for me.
4:59
